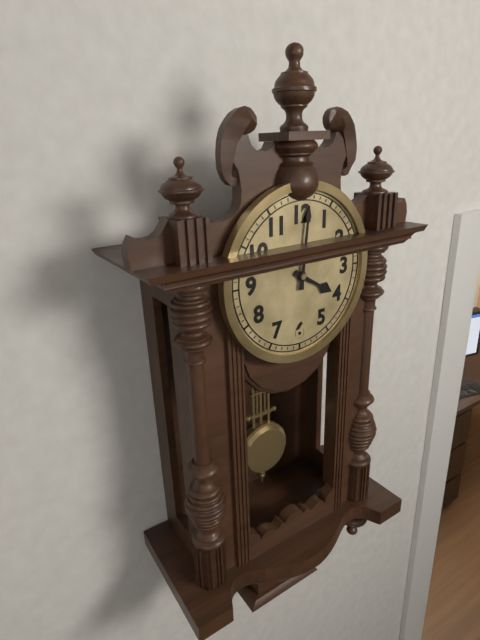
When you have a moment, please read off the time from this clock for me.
4:01
